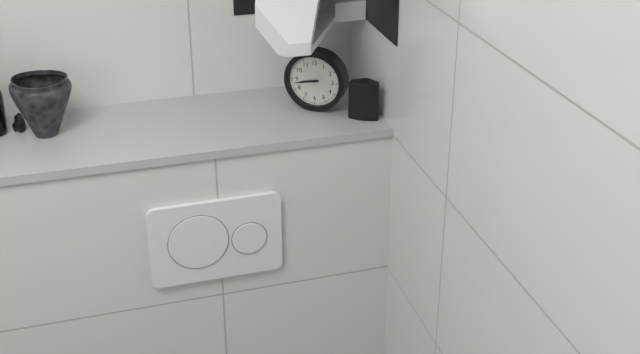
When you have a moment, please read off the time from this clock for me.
8:43
